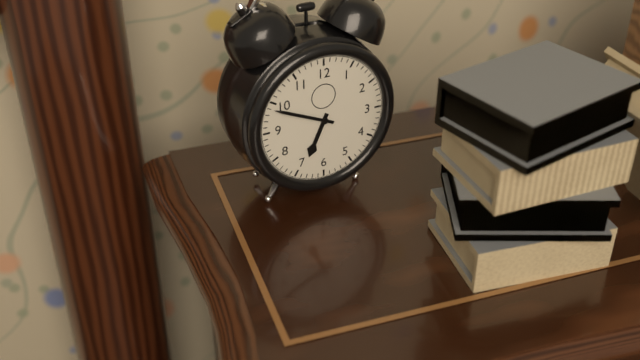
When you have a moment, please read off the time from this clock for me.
6:49
